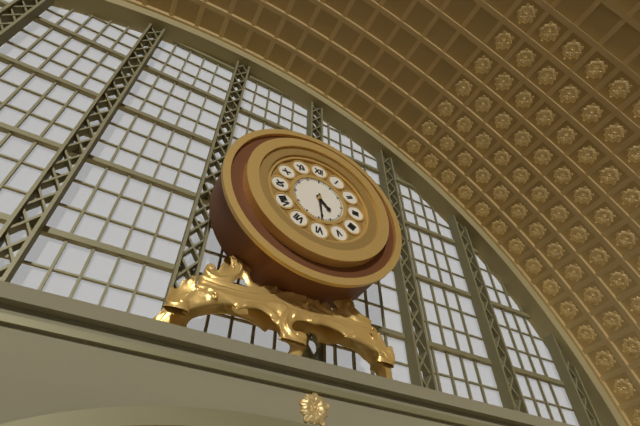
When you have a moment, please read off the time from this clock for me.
4:29
